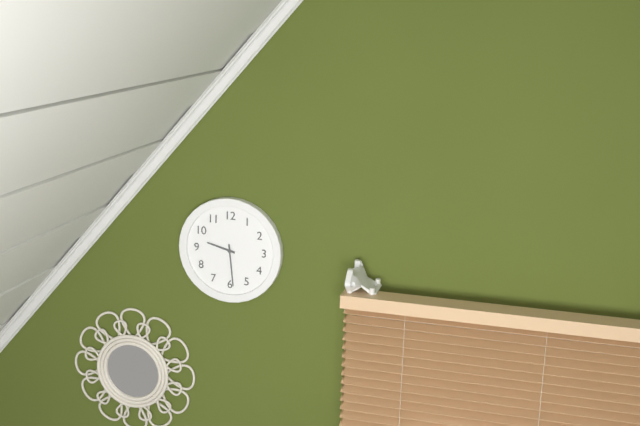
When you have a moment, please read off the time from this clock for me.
9:29
